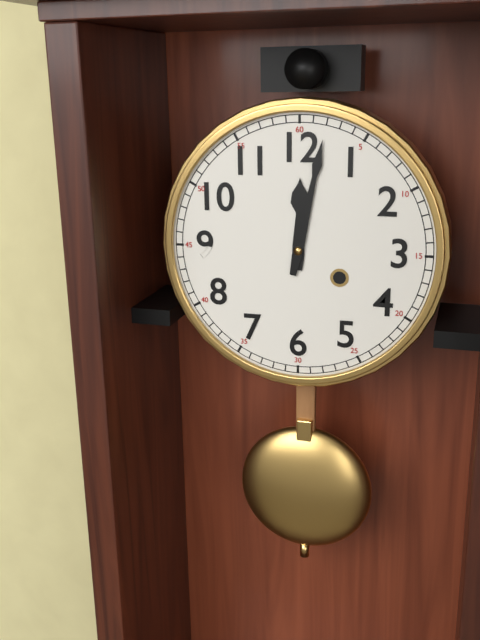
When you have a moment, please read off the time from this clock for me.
12:02
